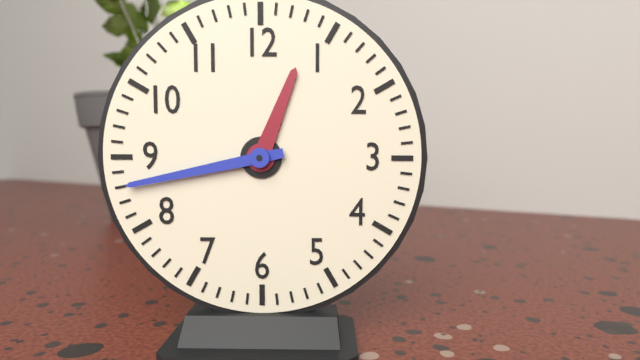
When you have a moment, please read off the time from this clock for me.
12:43
